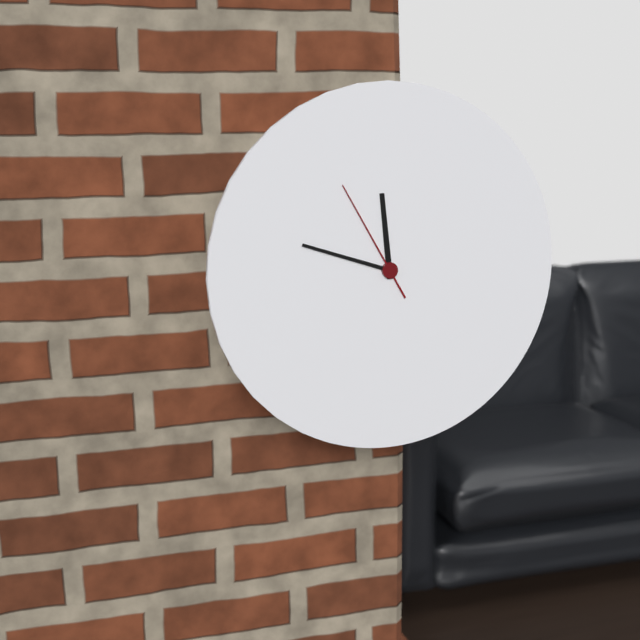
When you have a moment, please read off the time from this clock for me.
11:48:55
